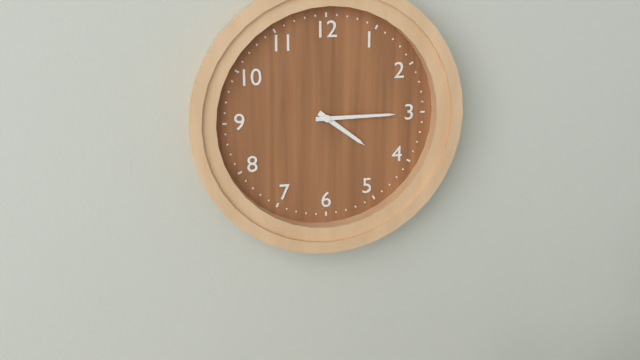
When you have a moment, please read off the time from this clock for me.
4:15
